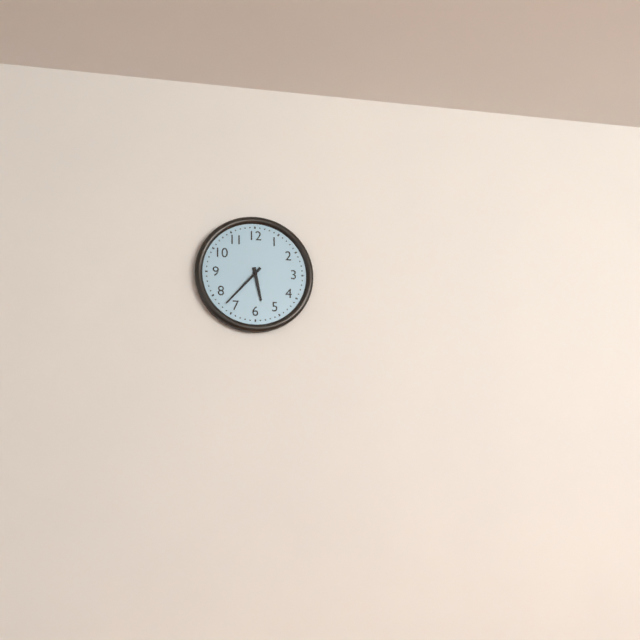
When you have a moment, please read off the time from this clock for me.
5:37
